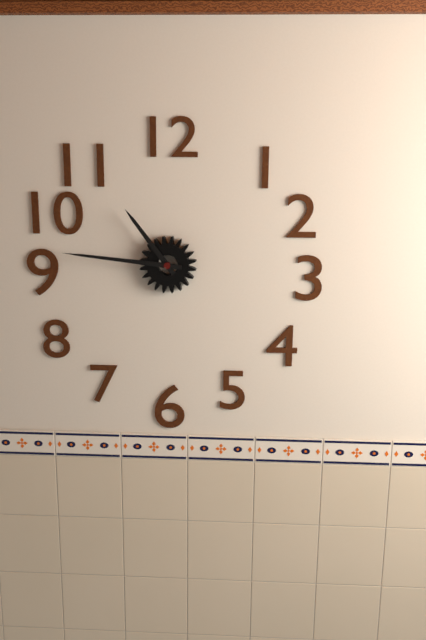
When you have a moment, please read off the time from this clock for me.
10:46
